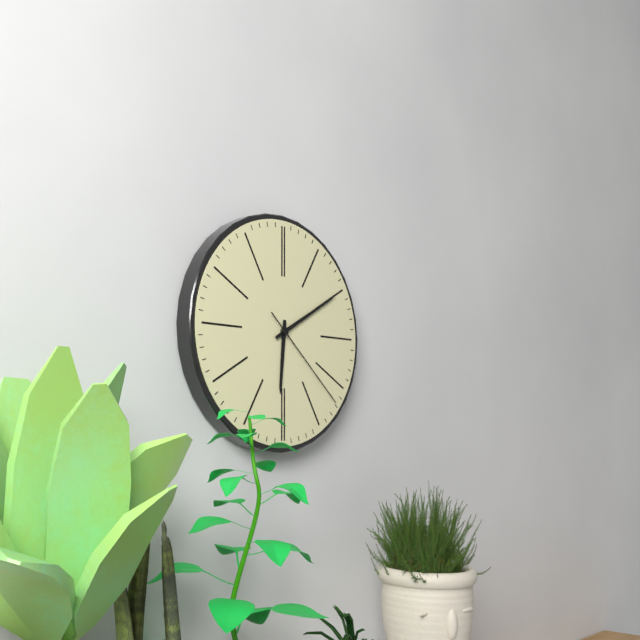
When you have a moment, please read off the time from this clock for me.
6:10:22
